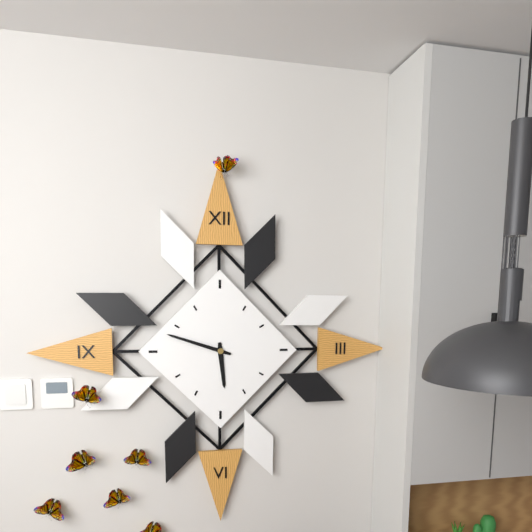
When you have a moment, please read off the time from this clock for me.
5:48
